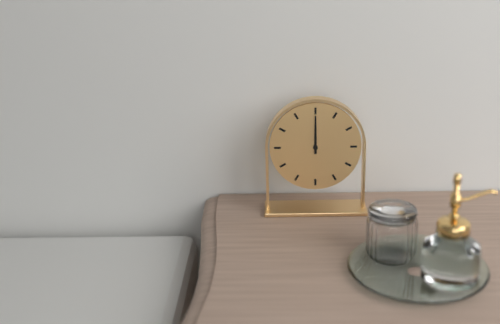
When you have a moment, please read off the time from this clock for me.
12:00
